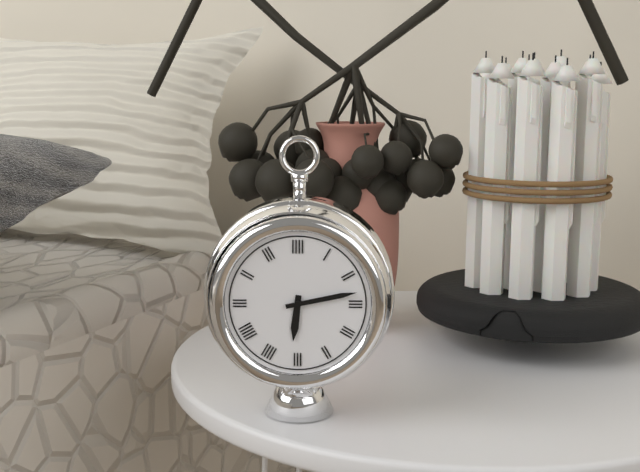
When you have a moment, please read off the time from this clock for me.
6:13
